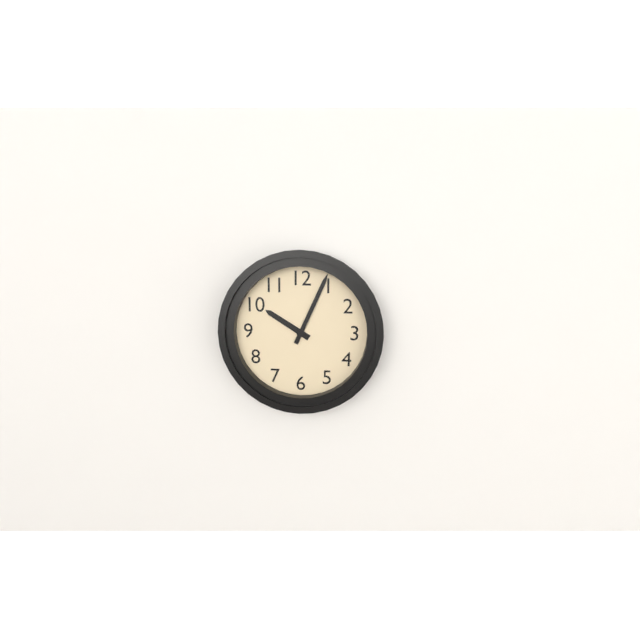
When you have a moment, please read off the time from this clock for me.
10:04
